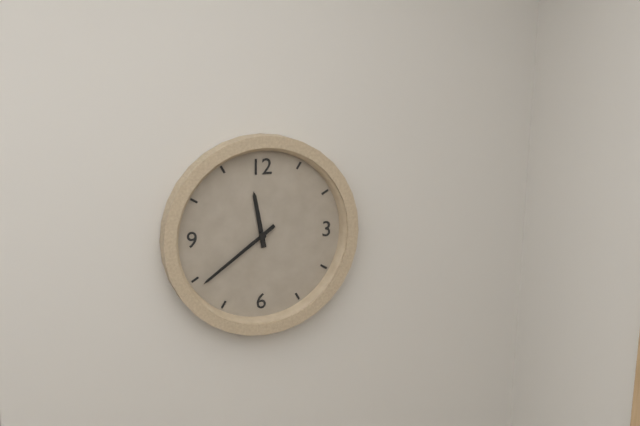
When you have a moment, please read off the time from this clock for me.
11:39
